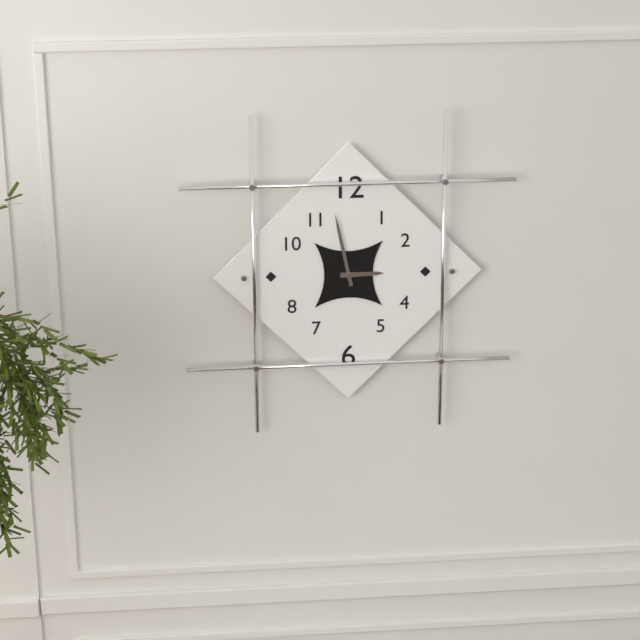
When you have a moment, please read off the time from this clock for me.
2:58
